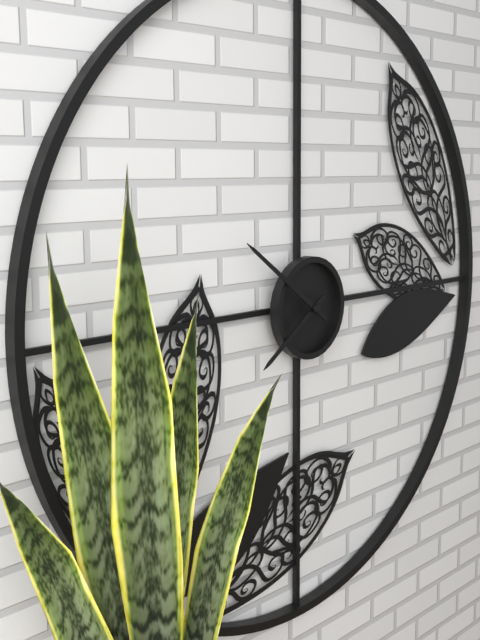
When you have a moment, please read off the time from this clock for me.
7:51
